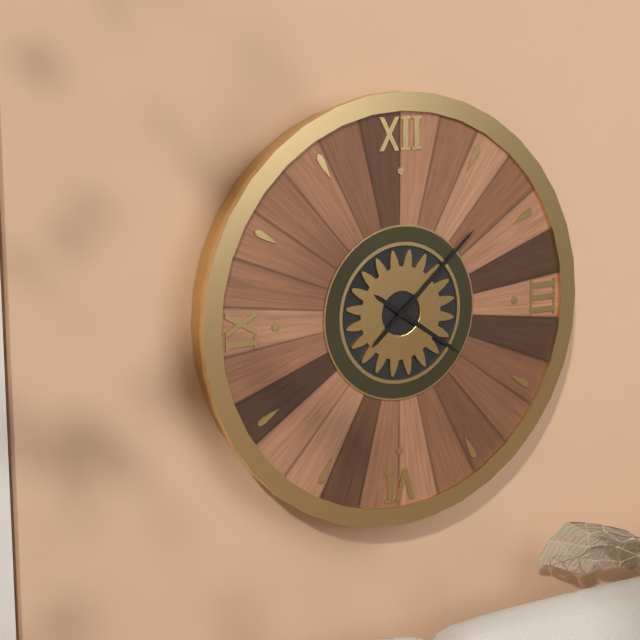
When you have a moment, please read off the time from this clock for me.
4:08
